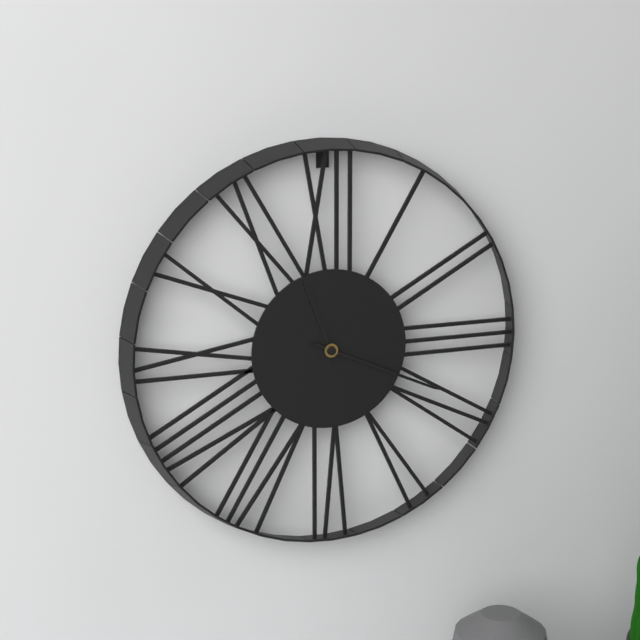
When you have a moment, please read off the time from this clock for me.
11:19
